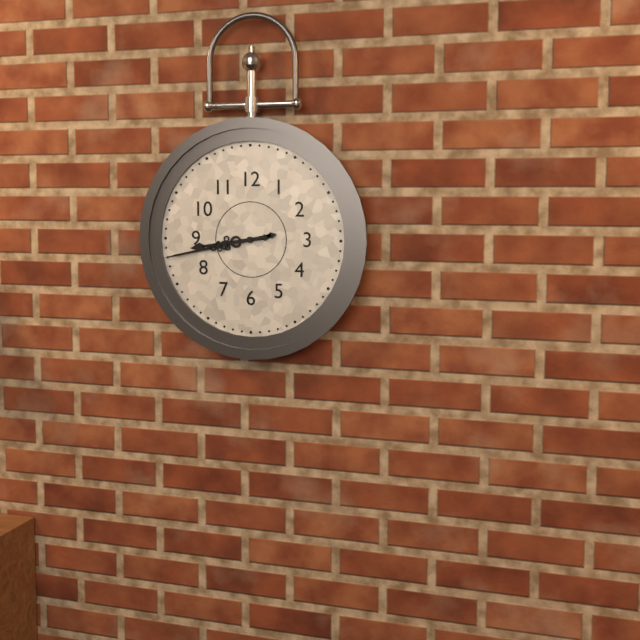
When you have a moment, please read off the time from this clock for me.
8:43
